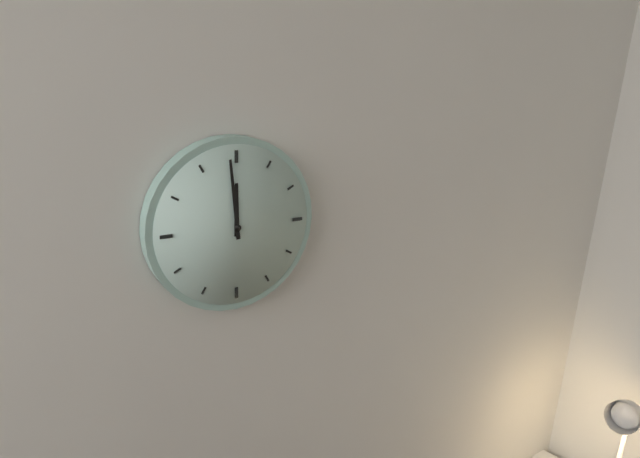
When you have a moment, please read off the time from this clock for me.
11:59
